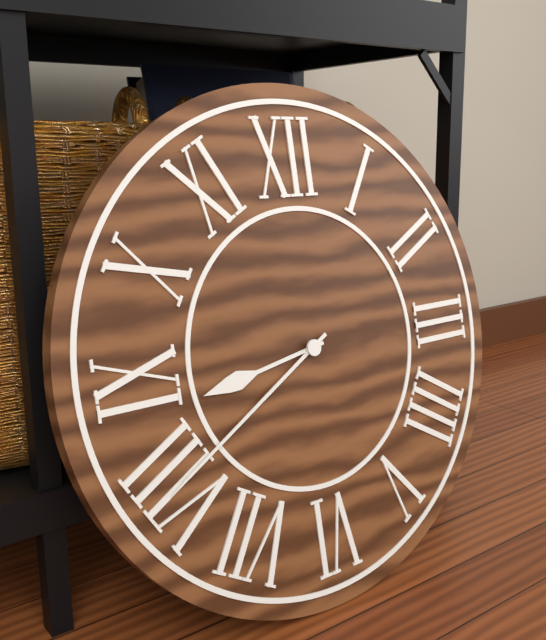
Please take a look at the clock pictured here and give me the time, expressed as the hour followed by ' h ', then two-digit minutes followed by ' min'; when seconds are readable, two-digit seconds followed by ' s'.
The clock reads 8 h 40 min
